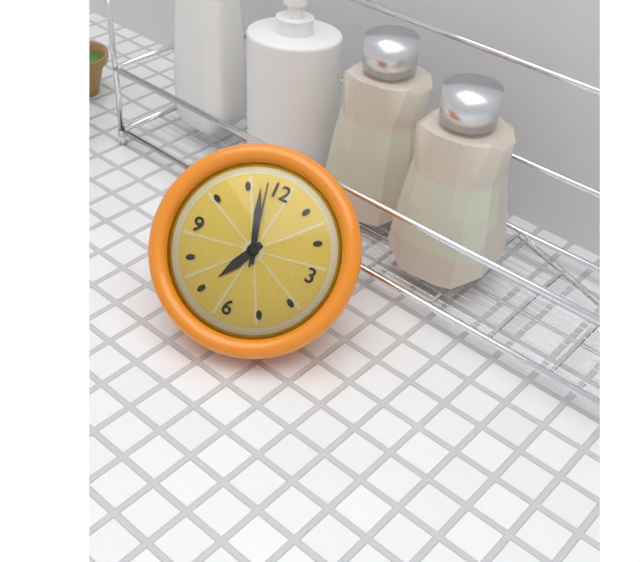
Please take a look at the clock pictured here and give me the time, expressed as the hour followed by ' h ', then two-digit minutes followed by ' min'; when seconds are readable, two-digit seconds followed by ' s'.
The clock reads 6 h 57 min 58 s
